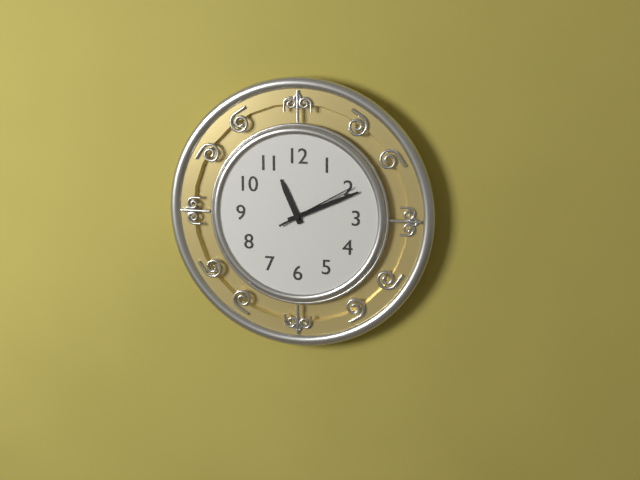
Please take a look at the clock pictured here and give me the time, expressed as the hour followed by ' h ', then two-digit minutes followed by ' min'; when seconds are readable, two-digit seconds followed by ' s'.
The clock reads 11 h 11 min 10 s
